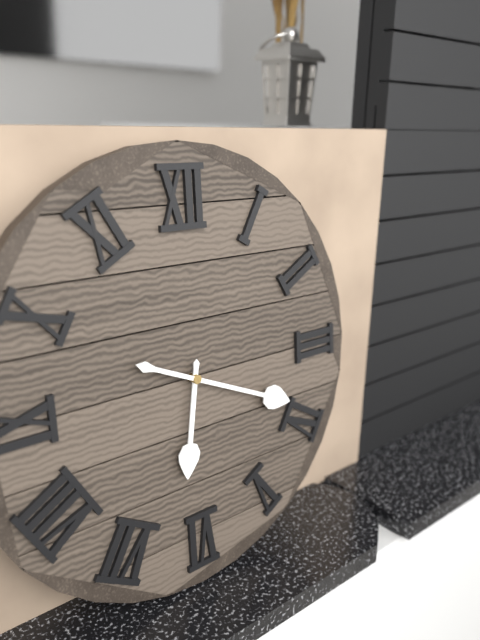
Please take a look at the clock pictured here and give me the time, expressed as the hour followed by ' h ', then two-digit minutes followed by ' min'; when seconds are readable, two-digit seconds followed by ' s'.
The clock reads 6 h 19 min
